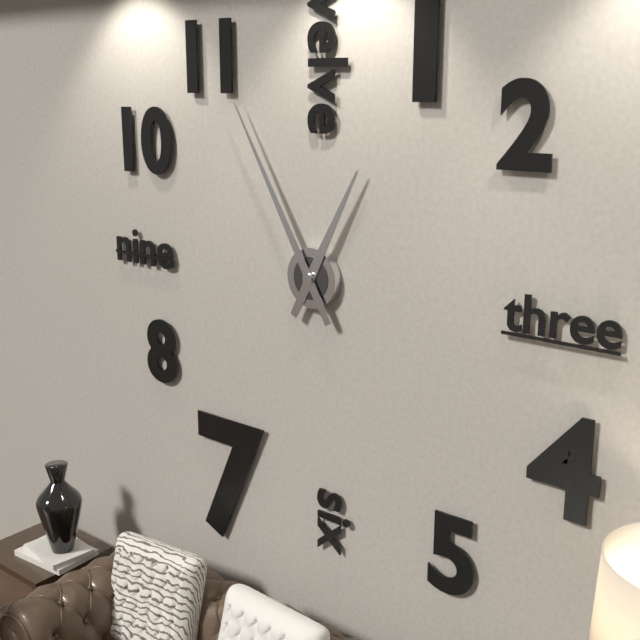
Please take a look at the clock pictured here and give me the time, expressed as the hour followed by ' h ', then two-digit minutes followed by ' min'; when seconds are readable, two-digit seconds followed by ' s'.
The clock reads 12 h 55 min
